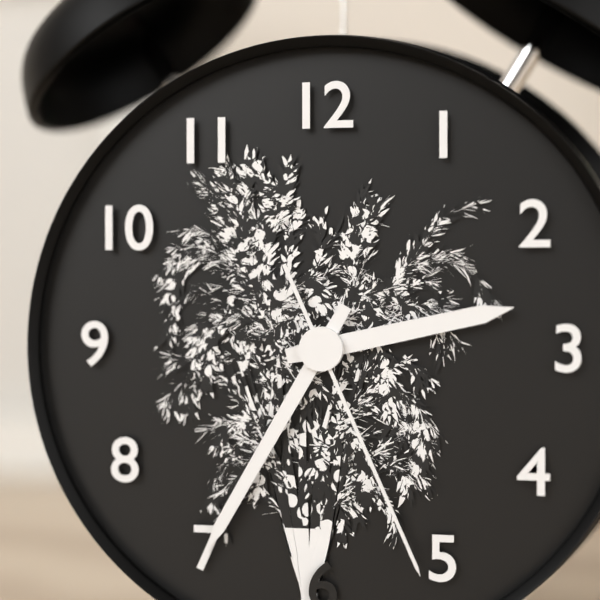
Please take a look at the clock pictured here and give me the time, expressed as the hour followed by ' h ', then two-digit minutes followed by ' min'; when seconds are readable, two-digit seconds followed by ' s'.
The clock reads 2 h 35 min 26 s
